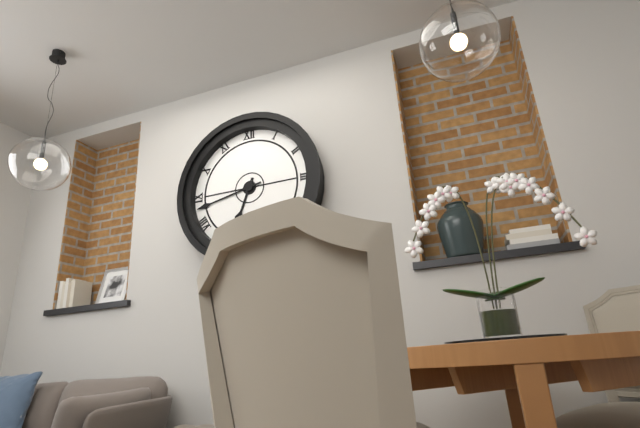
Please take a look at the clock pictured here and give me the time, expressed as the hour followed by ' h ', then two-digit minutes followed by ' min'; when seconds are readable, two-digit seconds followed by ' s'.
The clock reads 6 h 43 min
